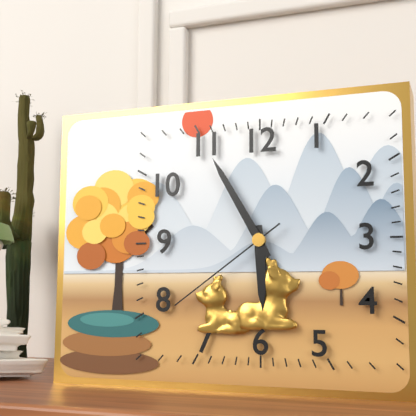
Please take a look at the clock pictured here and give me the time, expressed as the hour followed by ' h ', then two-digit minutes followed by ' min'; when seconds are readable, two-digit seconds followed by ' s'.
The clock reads 5 h 55 min 39 s
